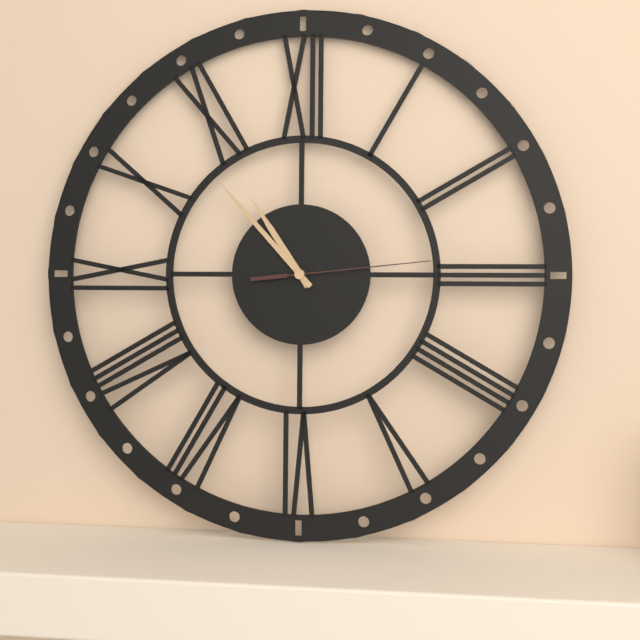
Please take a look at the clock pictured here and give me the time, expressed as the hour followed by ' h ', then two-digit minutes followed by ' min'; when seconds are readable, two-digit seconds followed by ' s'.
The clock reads 10 h 53 min 14 s
